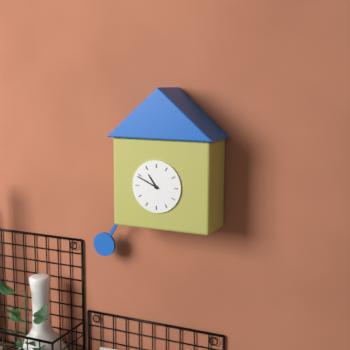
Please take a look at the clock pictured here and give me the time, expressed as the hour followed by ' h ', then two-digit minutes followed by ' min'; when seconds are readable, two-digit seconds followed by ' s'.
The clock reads 10 h 49 min
